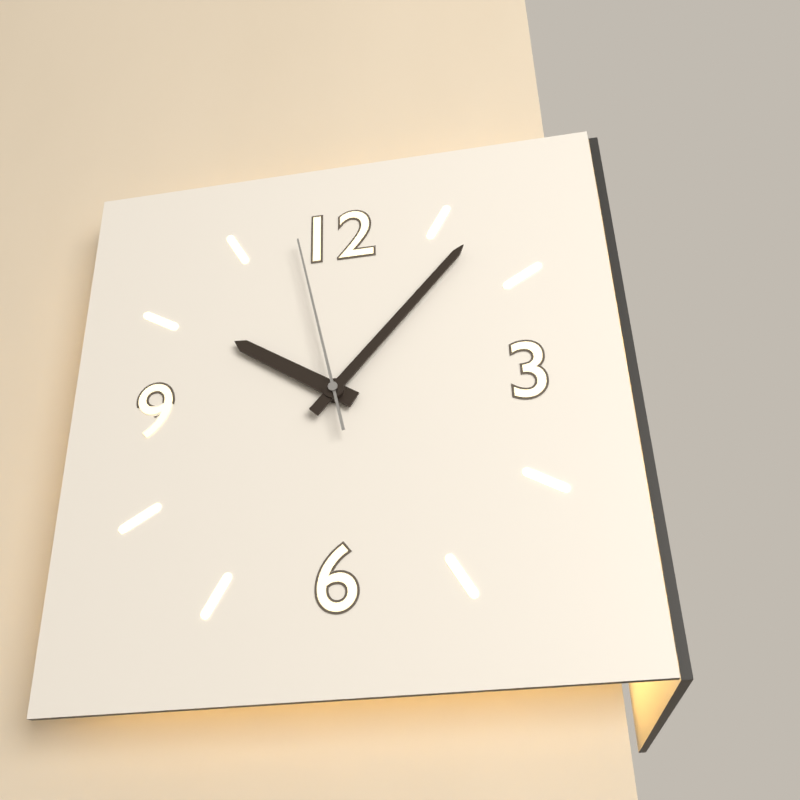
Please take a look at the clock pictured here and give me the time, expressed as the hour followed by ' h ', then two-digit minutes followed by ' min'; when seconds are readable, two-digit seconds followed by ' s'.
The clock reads 10 h 07 min 58 s
